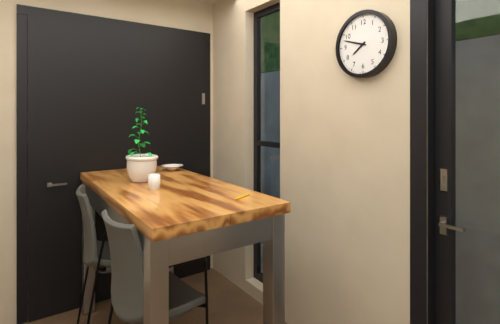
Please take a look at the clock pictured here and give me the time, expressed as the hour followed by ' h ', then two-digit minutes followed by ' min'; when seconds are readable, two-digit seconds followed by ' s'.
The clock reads 7 h 48 min
